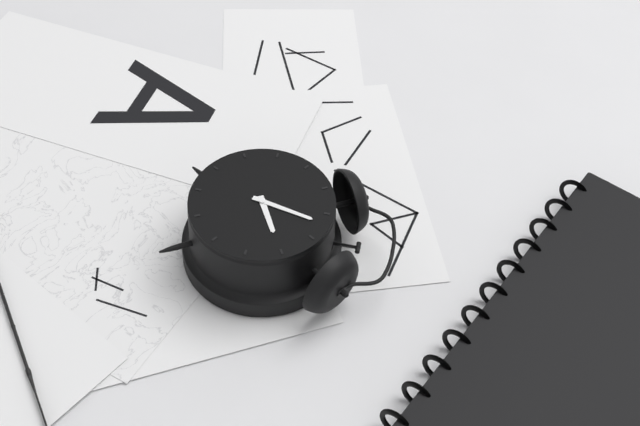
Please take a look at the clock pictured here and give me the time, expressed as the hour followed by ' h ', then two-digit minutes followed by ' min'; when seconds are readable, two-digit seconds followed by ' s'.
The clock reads 2 h 02 min
